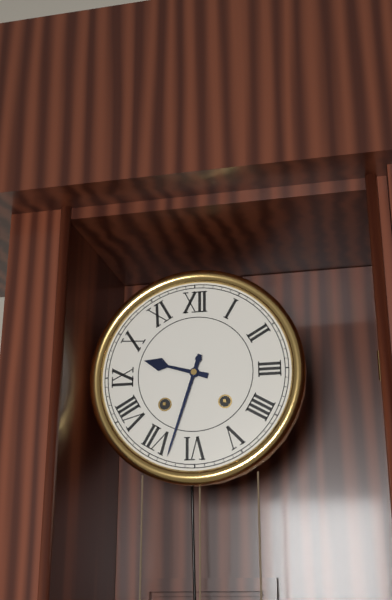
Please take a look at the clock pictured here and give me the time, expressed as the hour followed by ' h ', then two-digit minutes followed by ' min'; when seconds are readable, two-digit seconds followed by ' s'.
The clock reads 9 h 33 min
